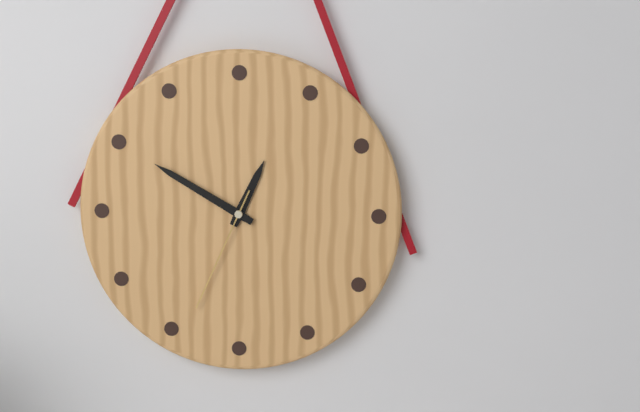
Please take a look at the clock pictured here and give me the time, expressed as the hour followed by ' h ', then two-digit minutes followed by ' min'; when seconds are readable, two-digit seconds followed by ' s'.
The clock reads 12 h 50 min 34 s
